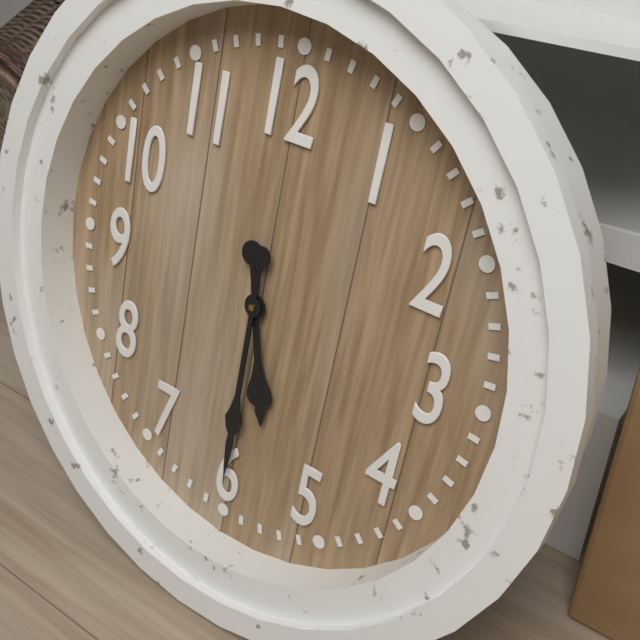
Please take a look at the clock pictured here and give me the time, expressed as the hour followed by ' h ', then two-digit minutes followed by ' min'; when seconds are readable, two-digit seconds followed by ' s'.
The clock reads 5 h 30 min
